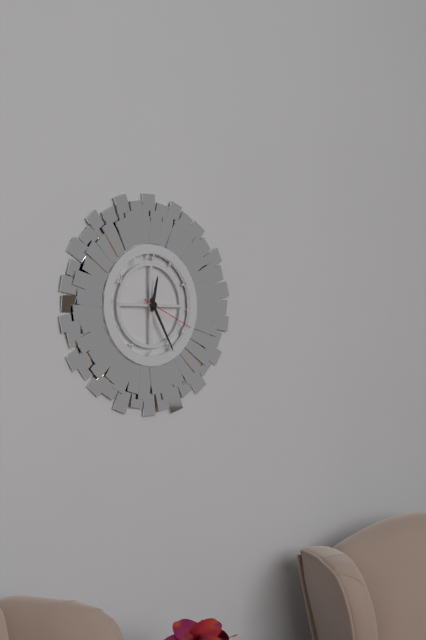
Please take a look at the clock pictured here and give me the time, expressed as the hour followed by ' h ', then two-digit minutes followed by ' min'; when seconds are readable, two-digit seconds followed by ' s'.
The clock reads 12 h 25 min 19 s
